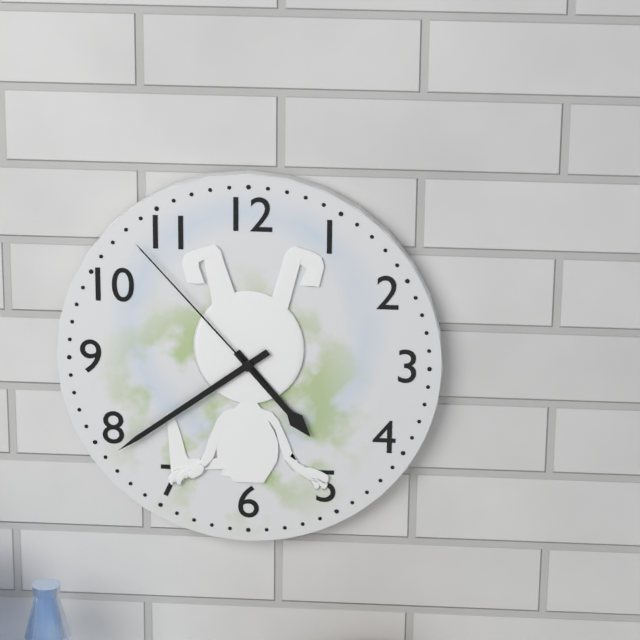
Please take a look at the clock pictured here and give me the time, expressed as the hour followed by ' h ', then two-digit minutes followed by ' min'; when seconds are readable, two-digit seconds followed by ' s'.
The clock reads 4 h 39 min 53 s
